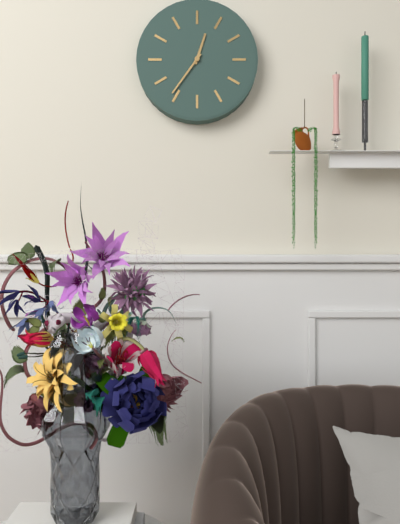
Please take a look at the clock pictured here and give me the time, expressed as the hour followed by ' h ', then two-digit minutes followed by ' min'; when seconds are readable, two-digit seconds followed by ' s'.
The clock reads 12 h 36 min
